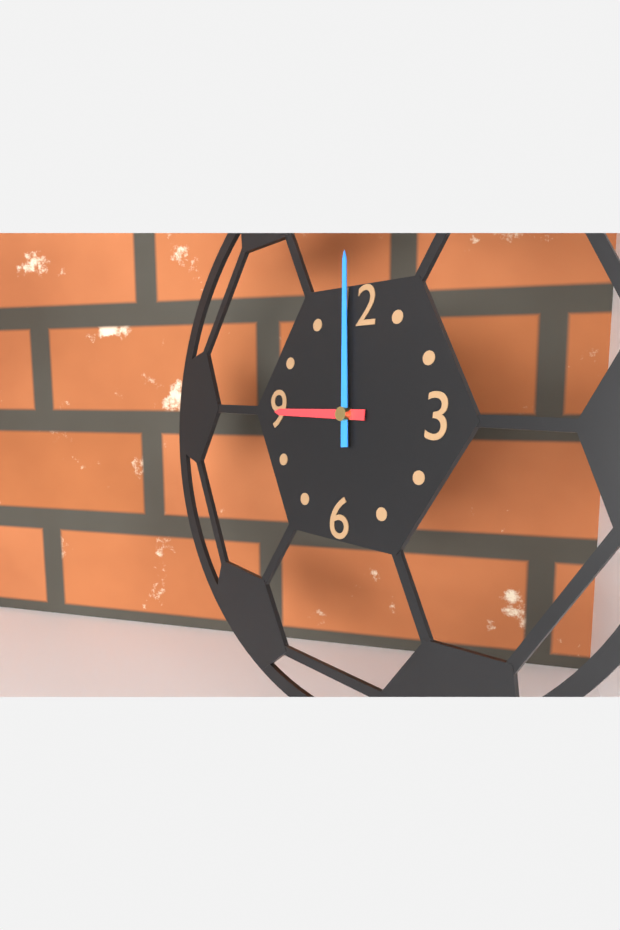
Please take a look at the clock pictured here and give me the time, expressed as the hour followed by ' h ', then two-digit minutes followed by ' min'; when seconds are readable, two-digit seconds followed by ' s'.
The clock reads 8 h 59 min
